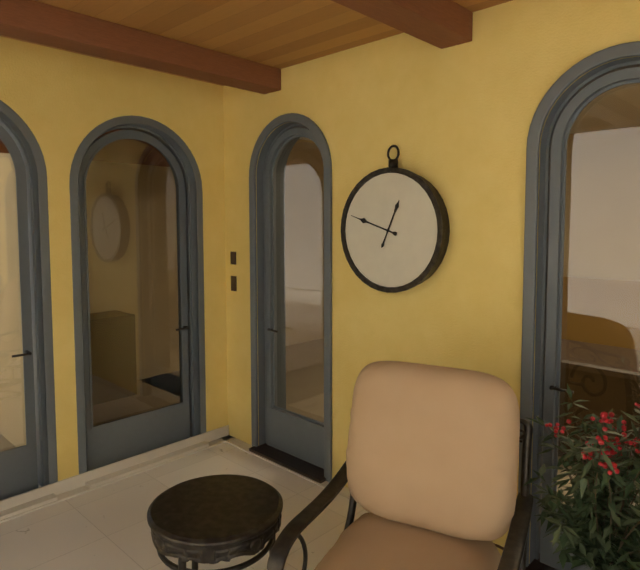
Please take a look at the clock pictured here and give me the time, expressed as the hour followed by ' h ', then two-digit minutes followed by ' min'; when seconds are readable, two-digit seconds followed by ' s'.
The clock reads 12 h 48 min
